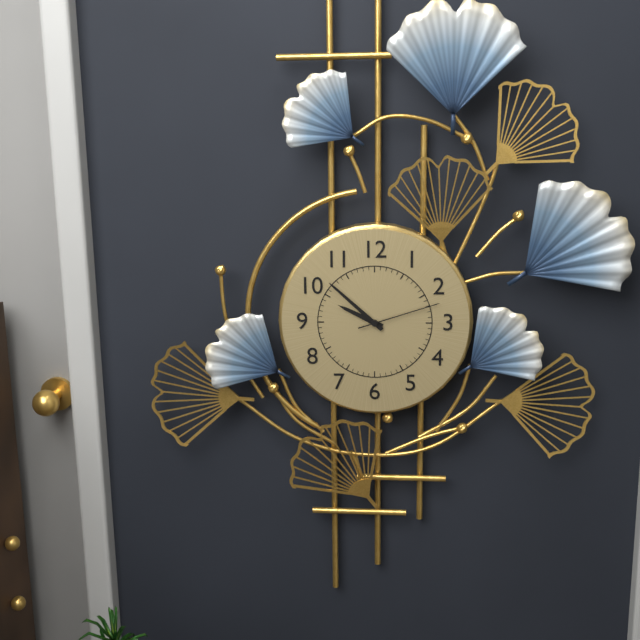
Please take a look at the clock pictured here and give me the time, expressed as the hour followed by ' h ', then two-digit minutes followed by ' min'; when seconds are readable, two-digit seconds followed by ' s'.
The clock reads 9 h 52 min 12 s
